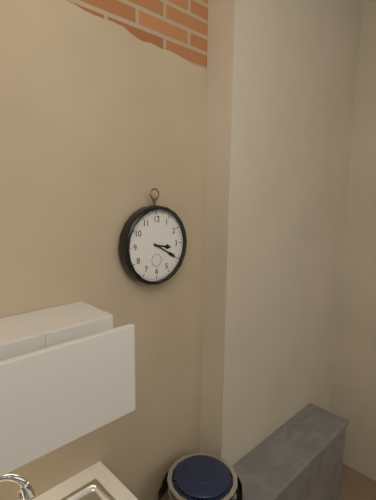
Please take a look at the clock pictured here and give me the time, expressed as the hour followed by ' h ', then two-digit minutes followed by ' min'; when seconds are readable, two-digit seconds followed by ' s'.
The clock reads 3 h 20 min
